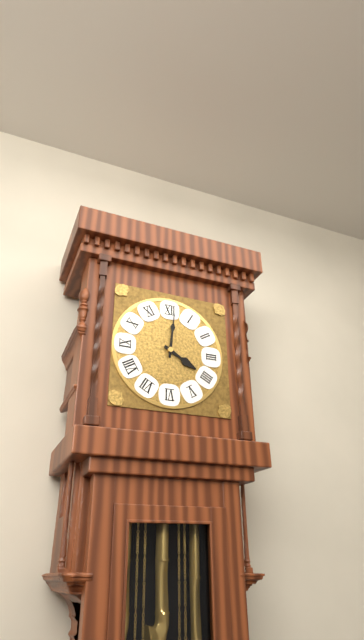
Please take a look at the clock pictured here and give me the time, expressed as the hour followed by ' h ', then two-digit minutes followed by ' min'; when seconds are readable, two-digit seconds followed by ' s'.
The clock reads 4 h 01 min
